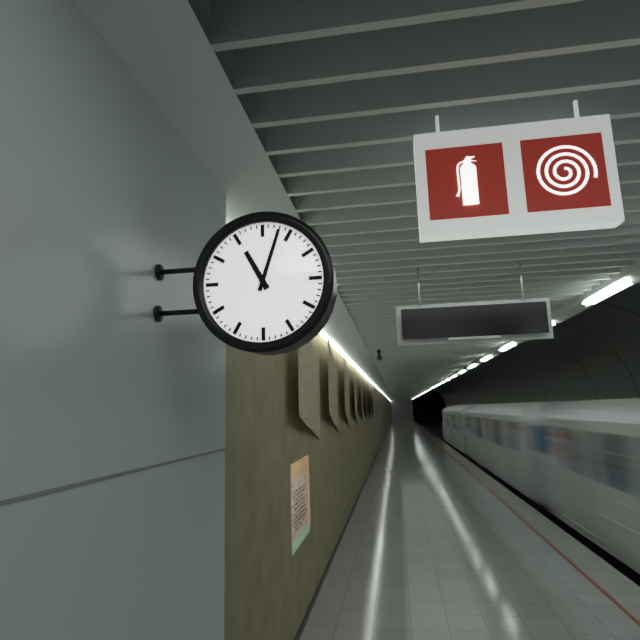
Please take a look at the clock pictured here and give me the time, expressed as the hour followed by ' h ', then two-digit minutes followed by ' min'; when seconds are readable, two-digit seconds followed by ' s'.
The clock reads 11 h 03 min
